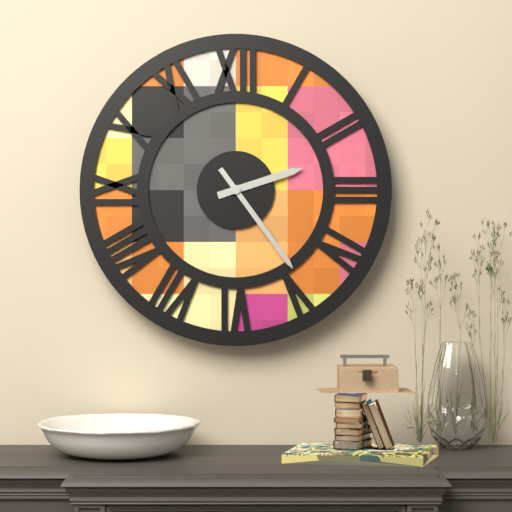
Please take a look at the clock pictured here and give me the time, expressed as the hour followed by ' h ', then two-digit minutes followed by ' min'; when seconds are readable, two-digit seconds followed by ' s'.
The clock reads 2 h 24 min
